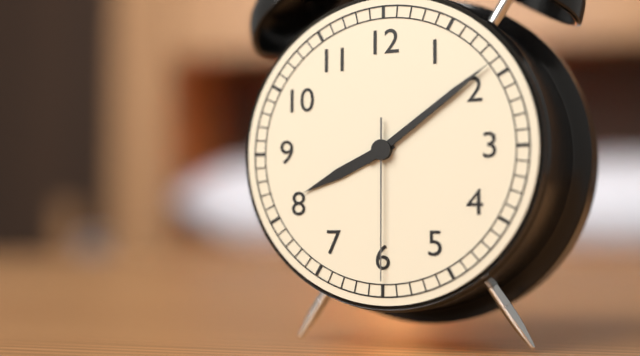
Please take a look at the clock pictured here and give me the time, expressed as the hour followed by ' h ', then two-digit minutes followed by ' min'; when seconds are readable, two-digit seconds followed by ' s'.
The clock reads 8 h 09 min 30 s
